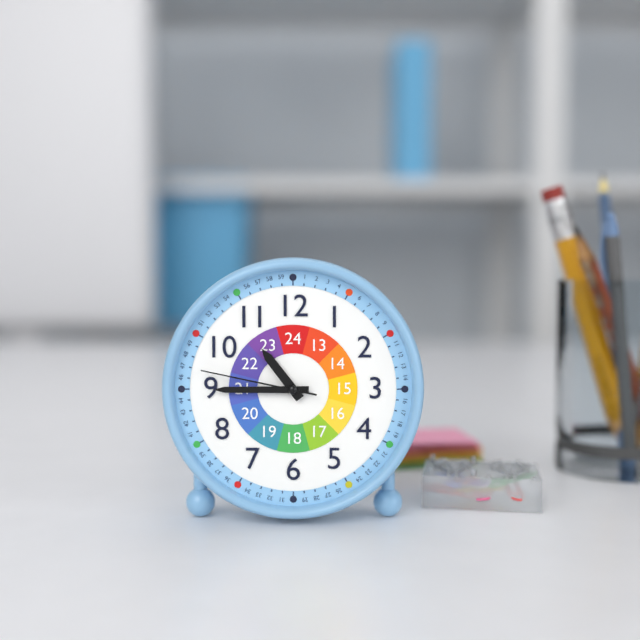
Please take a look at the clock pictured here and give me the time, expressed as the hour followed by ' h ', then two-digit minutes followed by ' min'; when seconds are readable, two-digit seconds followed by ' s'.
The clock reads 10 h 45 min 47 s
